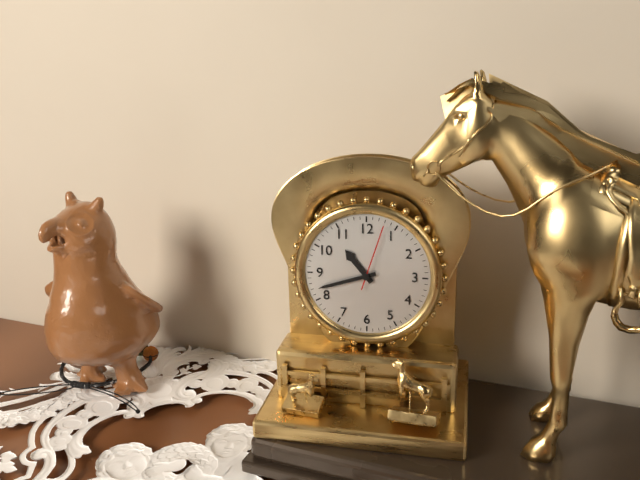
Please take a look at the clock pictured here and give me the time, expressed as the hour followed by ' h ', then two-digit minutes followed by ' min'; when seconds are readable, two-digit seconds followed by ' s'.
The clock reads 10 h 42 min 03 s
